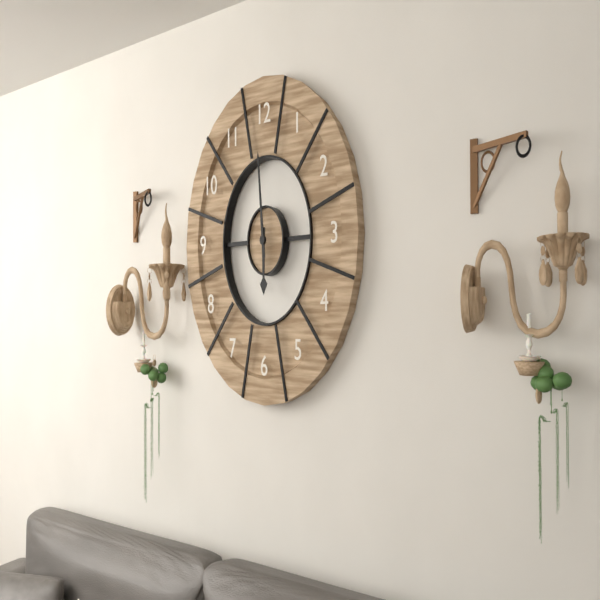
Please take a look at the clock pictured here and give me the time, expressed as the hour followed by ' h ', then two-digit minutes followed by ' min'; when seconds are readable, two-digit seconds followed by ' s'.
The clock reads 5 h 59 min
